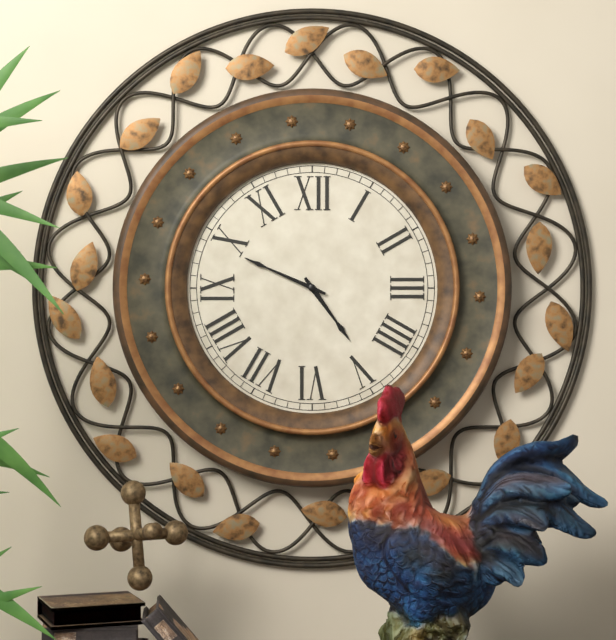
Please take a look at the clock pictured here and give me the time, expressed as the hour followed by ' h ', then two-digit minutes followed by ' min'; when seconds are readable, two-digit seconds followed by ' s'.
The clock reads 4 h 49 min
